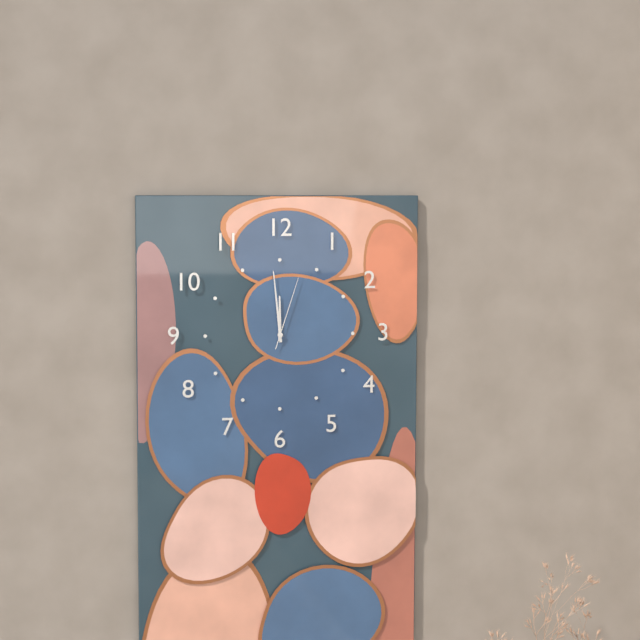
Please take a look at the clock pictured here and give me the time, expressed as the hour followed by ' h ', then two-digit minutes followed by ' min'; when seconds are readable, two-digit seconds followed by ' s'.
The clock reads 11 h 59 min 03 s
